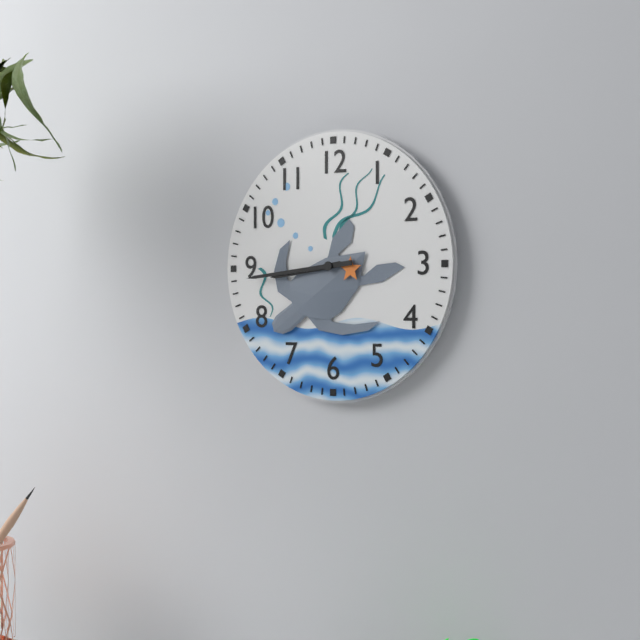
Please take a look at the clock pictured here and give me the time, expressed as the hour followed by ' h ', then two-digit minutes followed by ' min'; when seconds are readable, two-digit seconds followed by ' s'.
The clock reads 8 h 44 min
